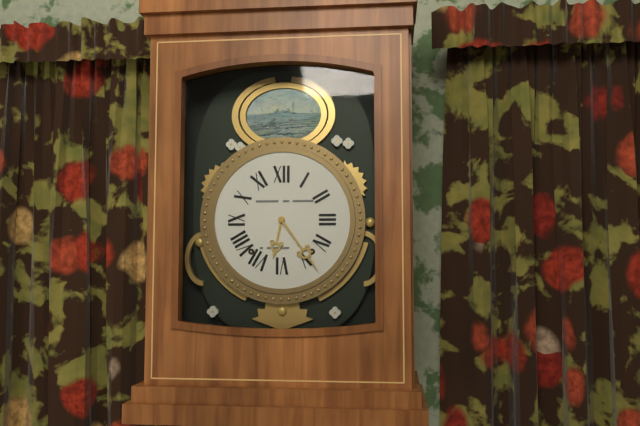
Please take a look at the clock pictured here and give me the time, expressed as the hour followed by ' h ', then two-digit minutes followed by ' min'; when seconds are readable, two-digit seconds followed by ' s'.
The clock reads 6 h 24 min
